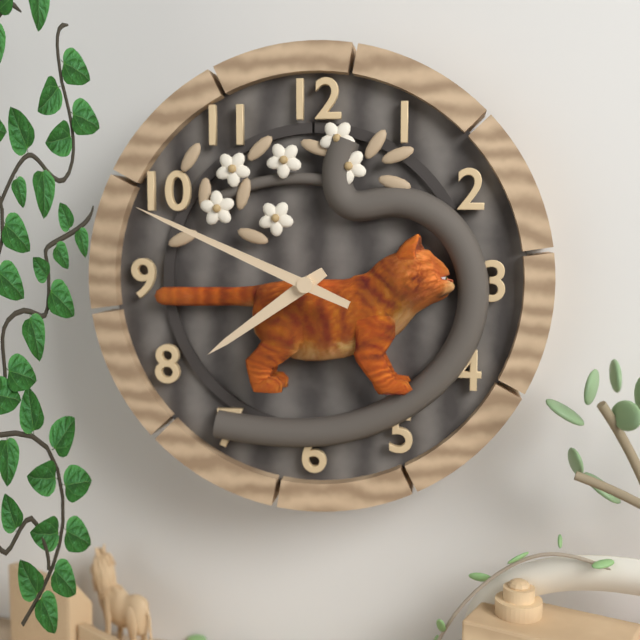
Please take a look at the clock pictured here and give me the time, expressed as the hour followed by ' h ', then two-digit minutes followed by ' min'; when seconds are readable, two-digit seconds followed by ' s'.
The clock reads 7 h 49 min
